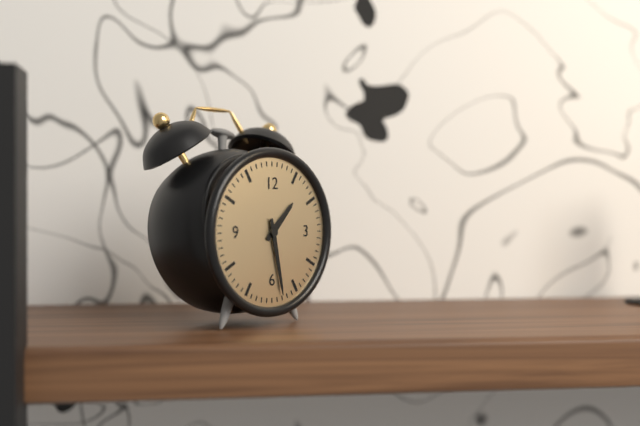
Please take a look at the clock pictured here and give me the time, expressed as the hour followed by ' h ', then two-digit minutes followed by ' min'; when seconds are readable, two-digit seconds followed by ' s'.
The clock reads 1 h 28 min
